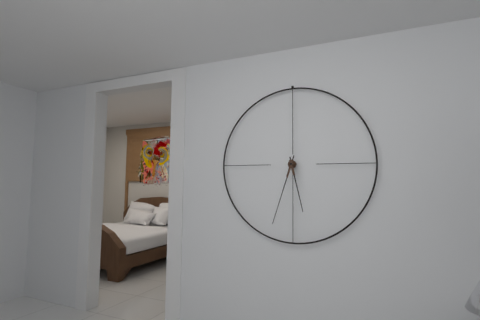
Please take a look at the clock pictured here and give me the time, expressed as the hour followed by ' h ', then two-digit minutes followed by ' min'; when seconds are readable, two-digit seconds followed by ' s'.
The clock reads 5 h 33 min
